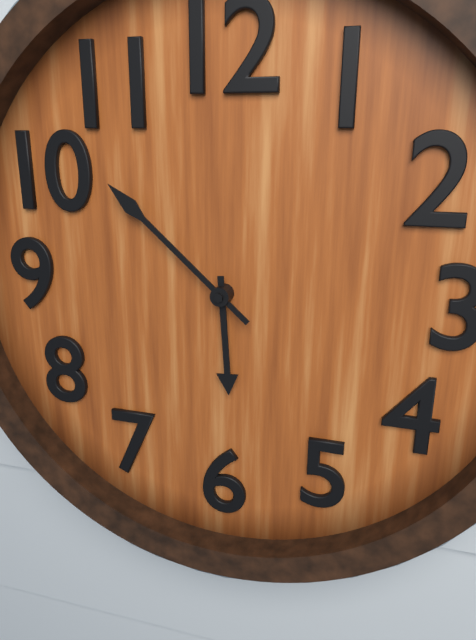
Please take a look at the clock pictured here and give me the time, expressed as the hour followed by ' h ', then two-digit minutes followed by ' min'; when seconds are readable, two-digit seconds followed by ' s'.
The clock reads 5 h 52 min
